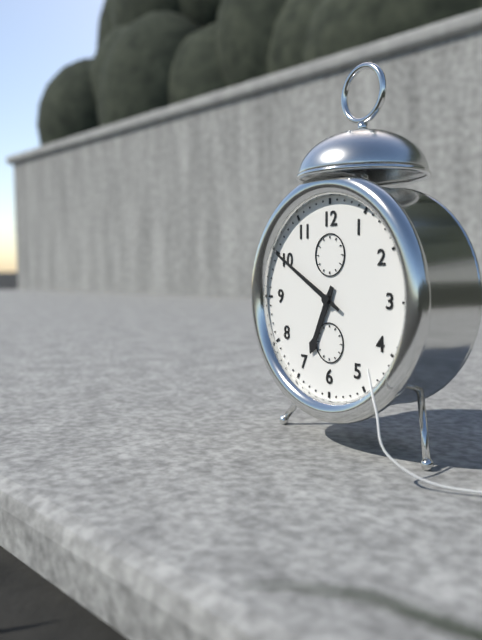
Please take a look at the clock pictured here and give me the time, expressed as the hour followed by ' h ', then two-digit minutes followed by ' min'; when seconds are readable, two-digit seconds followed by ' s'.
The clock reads 6 h 50 min
